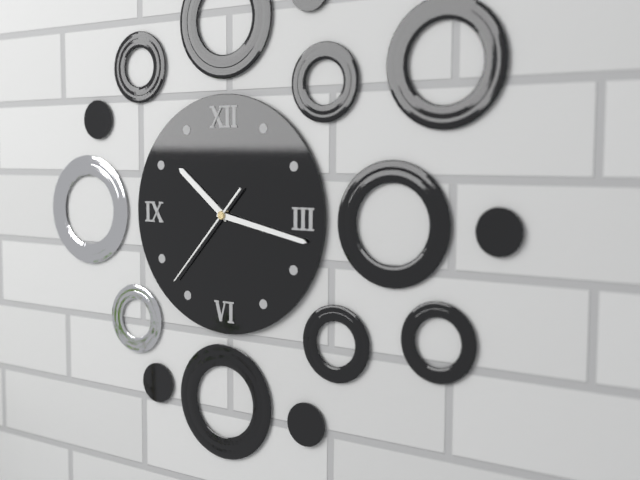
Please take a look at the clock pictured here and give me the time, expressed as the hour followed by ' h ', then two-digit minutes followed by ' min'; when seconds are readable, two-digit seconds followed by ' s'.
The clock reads 10 h 17 min 37 s
